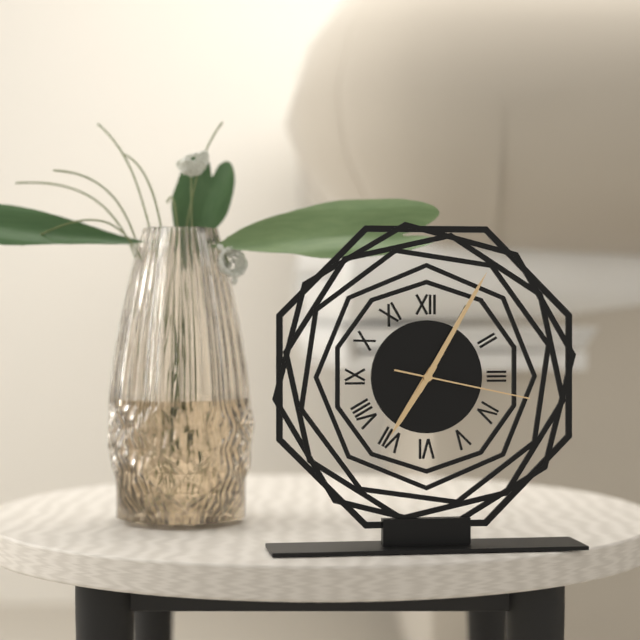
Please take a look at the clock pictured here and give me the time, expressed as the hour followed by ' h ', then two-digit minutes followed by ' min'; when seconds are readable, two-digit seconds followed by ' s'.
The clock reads 7 h 05 min 17 s
